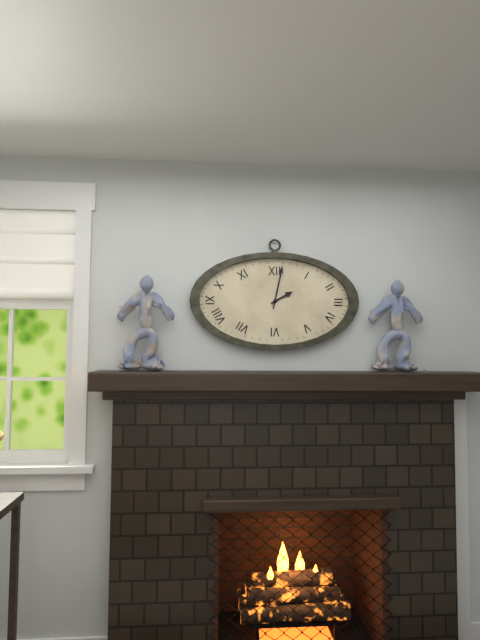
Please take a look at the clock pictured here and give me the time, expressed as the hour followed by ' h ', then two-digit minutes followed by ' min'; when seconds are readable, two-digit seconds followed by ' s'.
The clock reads 2 h 02 min
